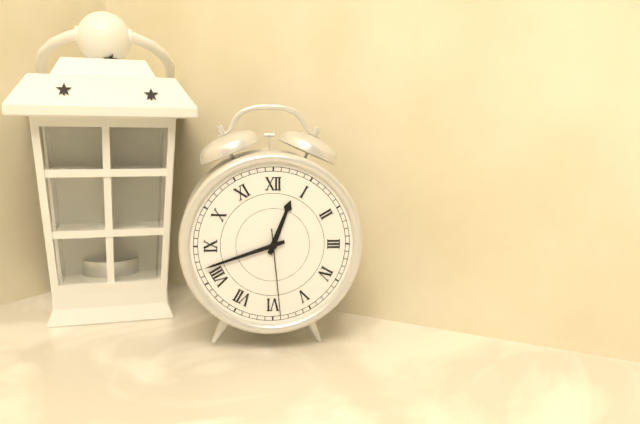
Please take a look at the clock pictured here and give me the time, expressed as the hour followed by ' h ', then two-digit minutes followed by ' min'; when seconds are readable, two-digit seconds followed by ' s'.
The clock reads 12 h 42 min 29 s
